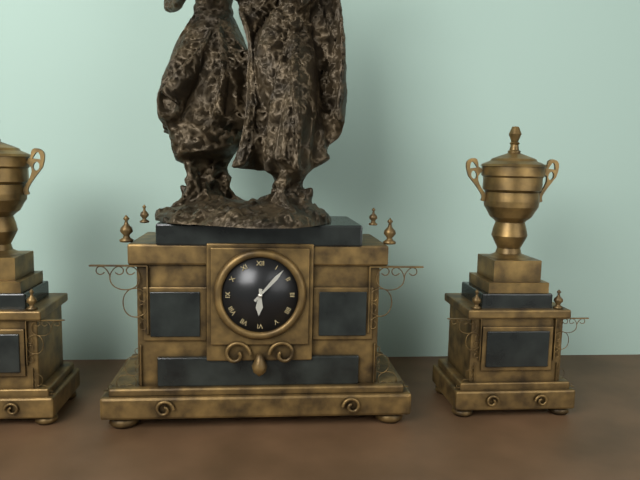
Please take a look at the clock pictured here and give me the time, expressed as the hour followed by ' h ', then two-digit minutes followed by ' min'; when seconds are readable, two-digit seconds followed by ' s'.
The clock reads 6 h 07 min
